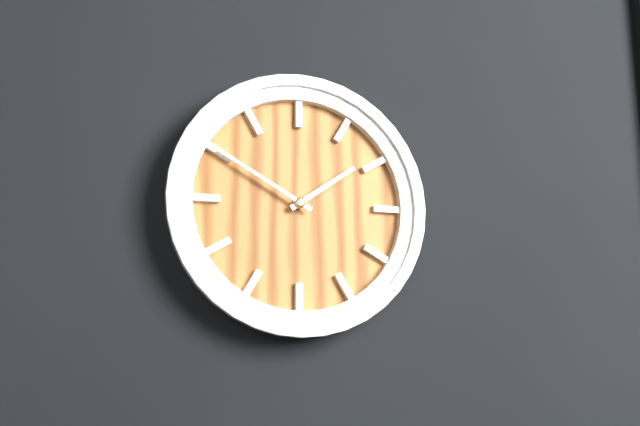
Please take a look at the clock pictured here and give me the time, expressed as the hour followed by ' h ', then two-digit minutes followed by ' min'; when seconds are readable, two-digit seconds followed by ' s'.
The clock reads 1 h 50 min
